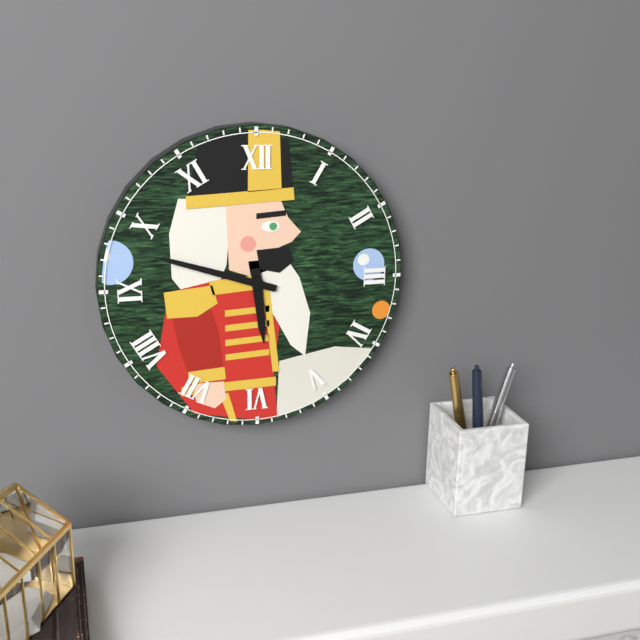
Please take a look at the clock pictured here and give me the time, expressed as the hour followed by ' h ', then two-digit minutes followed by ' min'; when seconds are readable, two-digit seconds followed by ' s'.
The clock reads 5 h 48 min
